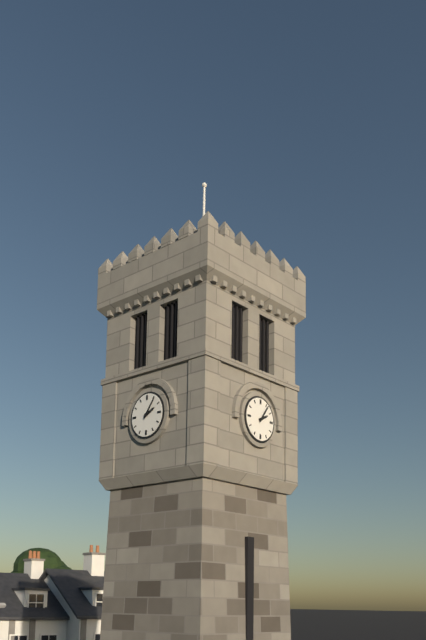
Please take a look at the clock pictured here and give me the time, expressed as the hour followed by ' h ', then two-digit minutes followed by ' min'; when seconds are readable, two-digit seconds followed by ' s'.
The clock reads 2 h 06 min
